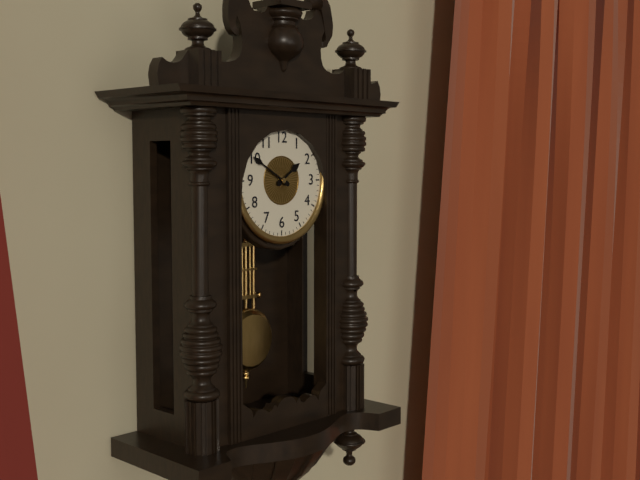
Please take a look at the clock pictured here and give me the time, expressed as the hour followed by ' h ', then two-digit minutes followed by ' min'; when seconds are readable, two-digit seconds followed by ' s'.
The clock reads 1 h 50 min
